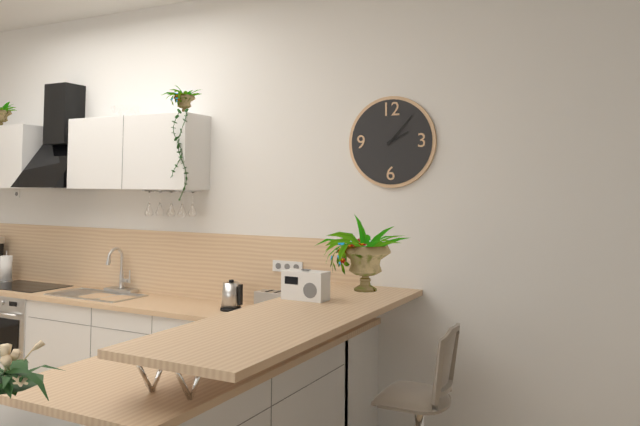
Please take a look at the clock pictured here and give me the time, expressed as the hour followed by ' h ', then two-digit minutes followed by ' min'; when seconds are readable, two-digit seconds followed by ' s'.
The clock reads 2 h 07 min
